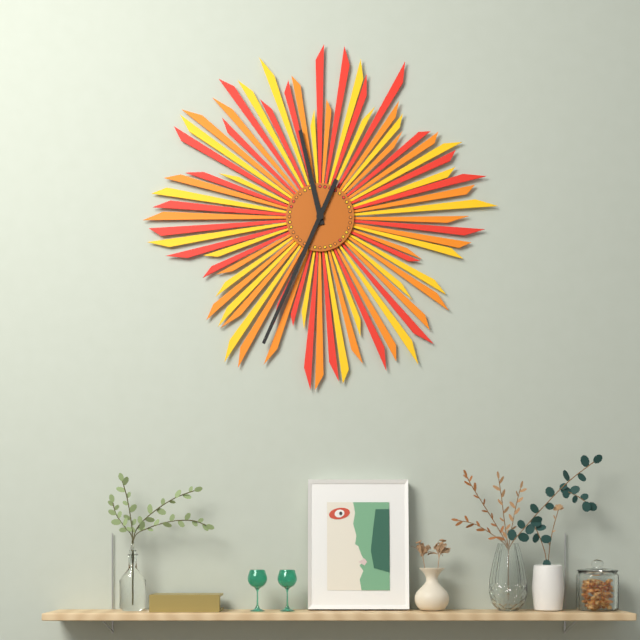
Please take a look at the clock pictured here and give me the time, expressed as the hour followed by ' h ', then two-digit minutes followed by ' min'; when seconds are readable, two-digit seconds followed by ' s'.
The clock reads 11 h 34 min
